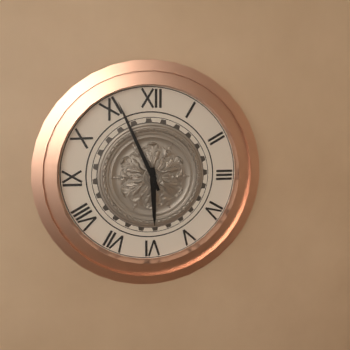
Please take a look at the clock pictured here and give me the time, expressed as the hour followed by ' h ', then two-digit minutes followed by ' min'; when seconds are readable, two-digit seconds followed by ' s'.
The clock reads 5 h 56 min
